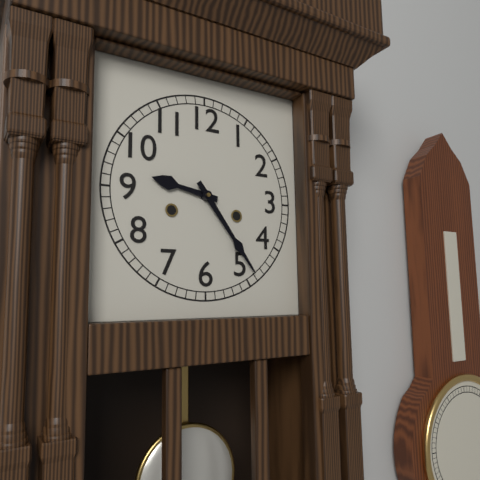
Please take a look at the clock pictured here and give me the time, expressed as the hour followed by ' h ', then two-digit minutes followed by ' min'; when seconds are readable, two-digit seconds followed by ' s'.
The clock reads 9 h 24 min
